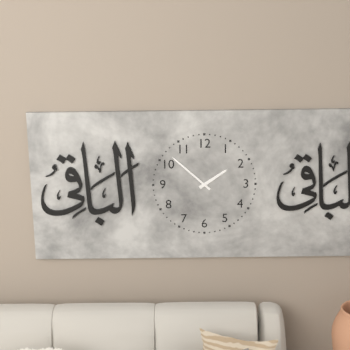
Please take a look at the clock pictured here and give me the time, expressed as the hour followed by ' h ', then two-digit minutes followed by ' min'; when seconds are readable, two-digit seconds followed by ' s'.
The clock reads 1 h 52 min
